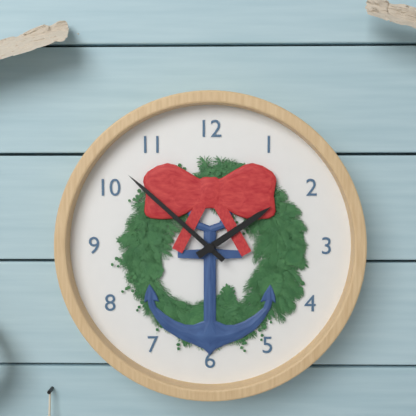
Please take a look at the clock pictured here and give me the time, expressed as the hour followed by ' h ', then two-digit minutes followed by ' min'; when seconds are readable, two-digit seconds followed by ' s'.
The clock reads 1 h 52 min
